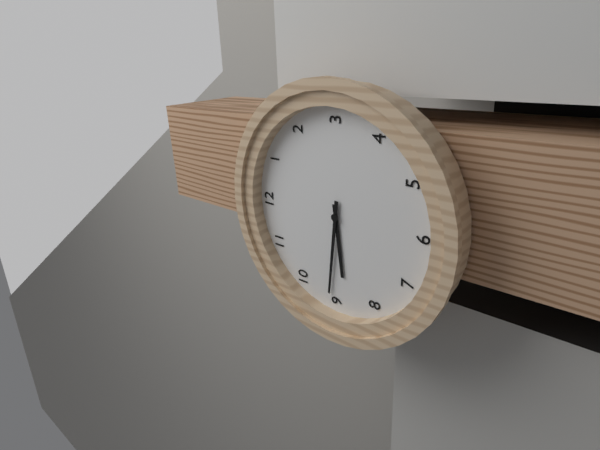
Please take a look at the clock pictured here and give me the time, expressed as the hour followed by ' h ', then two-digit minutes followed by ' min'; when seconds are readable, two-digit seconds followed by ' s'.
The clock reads 8 h 46 min
